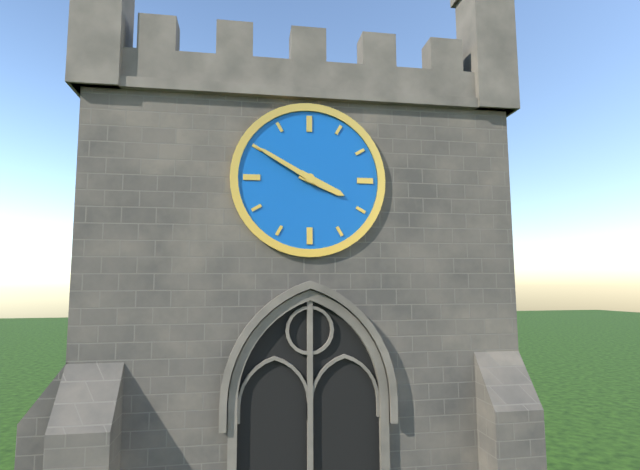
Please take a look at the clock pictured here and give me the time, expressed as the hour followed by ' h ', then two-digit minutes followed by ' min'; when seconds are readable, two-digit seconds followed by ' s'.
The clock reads 3 h 50 min
